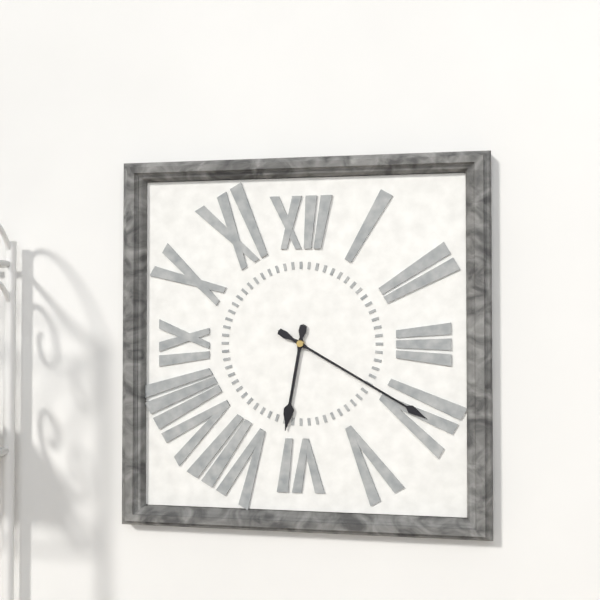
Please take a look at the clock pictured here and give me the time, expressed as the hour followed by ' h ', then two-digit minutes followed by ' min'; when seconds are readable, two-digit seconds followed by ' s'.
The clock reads 6 h 20 min
